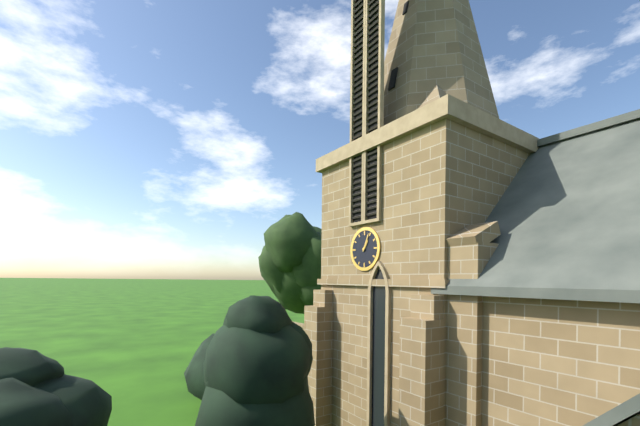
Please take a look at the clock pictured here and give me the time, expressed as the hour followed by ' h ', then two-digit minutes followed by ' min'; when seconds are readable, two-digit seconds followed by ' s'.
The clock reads 1 h 04 min
